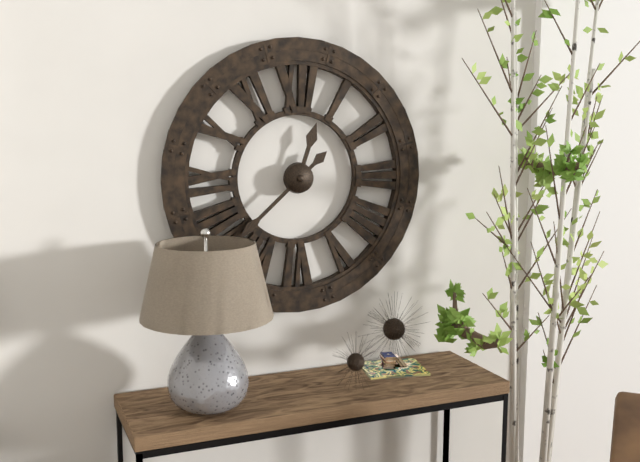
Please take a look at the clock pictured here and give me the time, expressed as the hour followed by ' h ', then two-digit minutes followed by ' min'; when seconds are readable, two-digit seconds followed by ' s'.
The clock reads 12 h 38 min
